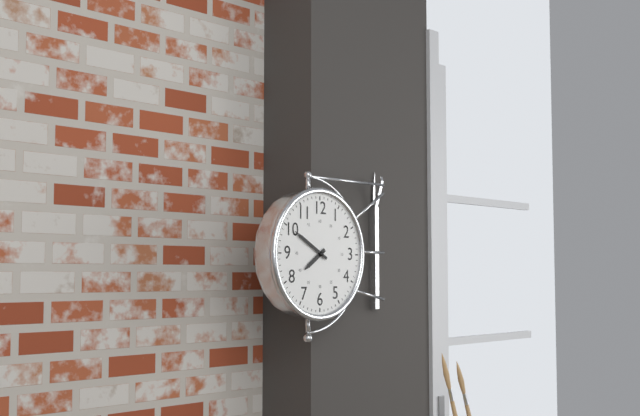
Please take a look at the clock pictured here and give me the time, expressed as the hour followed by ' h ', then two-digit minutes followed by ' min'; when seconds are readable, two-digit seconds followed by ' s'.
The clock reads 7 h 50 min
